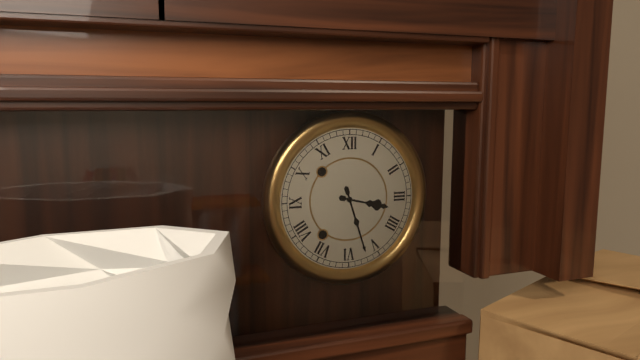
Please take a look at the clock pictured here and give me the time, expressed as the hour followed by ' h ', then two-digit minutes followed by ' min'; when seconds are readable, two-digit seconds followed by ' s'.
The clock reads 3 h 27 min
